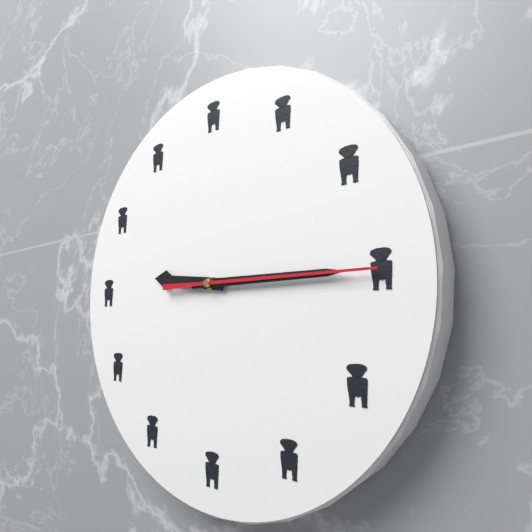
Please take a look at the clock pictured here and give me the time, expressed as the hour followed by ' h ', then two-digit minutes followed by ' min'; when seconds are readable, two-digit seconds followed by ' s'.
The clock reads 9 h 15 min 15 s
